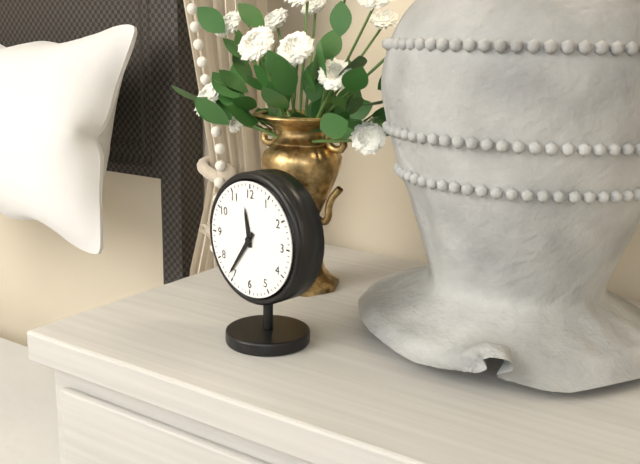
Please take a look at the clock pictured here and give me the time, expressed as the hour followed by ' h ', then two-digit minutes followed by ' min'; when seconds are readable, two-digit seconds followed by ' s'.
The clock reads 11 h 36 min
